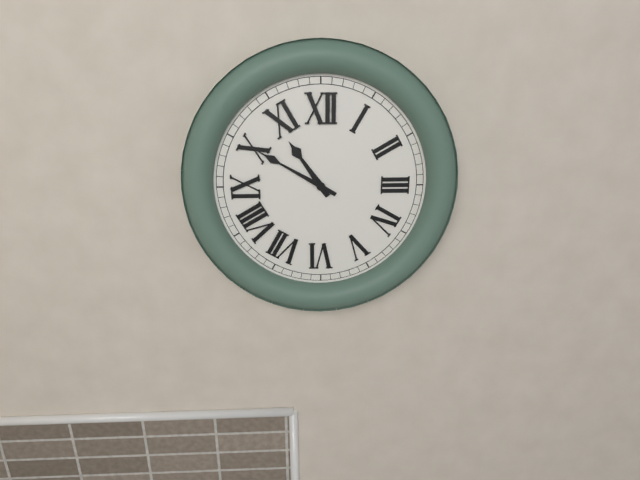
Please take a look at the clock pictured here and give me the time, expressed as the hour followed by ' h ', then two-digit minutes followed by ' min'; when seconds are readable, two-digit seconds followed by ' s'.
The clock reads 10 h 50 min
